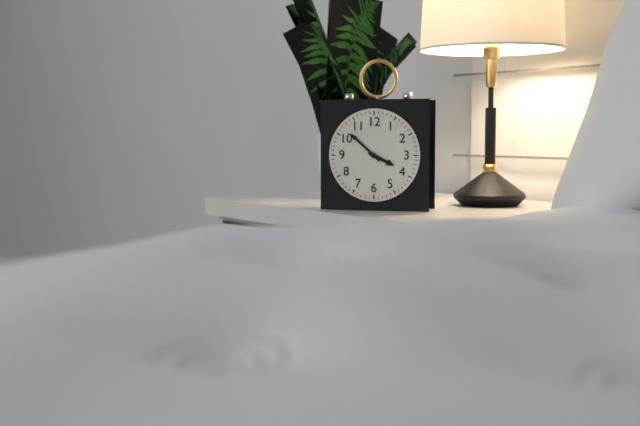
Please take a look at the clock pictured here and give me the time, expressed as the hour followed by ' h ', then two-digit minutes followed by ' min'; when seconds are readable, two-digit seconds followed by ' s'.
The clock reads 3 h 52 min
